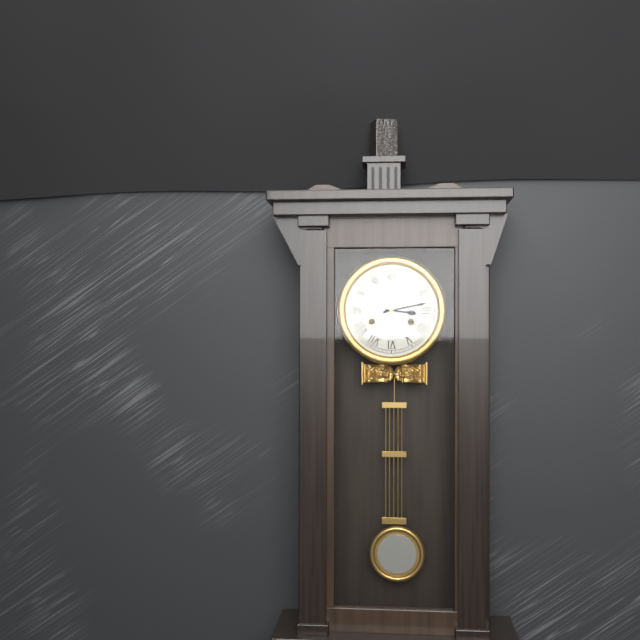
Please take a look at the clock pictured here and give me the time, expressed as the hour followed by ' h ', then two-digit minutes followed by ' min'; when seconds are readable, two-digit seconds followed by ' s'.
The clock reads 3 h 13 min
